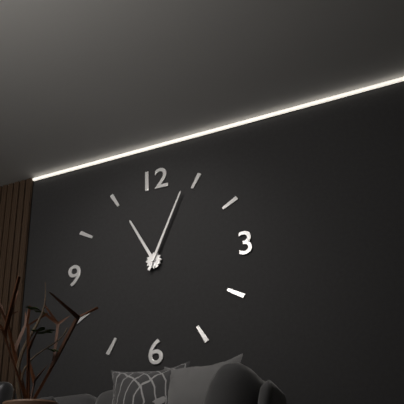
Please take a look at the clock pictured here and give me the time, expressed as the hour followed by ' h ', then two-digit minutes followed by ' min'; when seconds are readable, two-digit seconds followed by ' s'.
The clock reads 11 h 04 min
